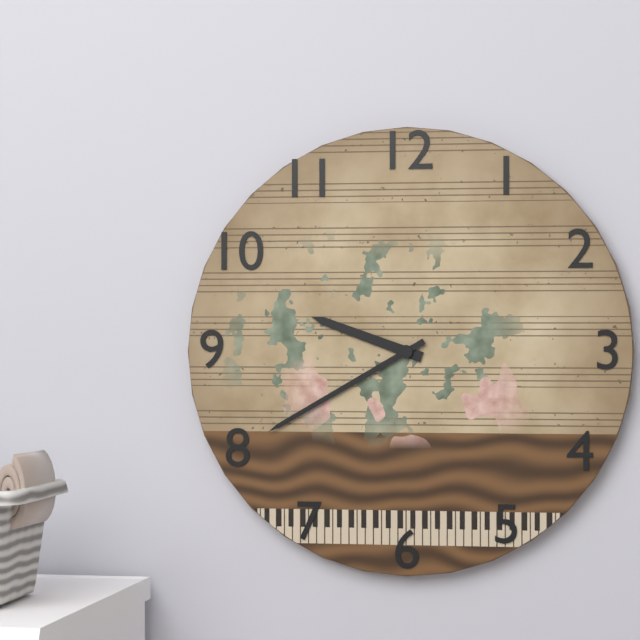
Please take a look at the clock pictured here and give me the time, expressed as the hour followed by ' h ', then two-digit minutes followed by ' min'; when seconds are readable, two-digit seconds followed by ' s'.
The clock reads 9 h 40 min
